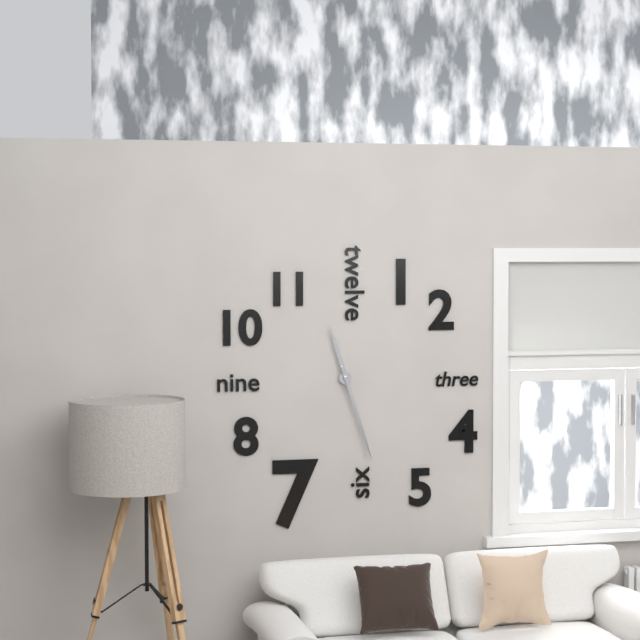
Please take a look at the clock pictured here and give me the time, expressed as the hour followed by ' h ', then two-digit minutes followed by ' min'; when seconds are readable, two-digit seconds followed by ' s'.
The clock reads 11 h 27 min
